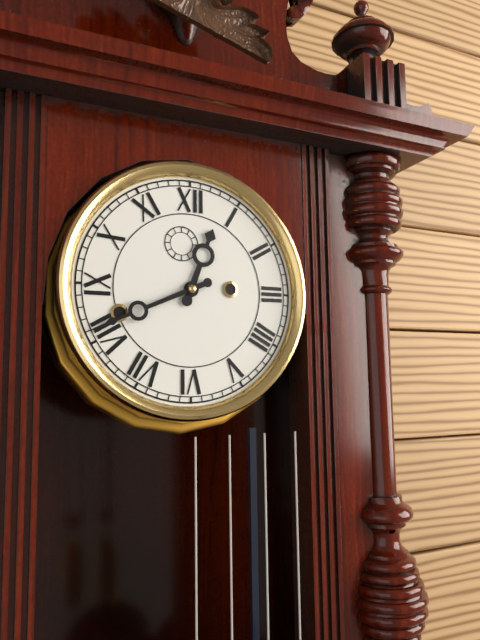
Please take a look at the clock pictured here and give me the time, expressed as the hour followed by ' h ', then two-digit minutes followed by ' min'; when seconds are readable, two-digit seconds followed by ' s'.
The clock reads 12 h 41 min
